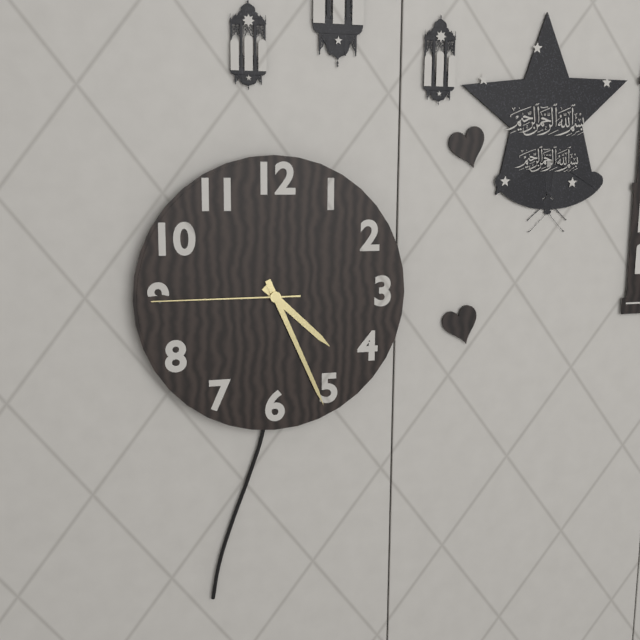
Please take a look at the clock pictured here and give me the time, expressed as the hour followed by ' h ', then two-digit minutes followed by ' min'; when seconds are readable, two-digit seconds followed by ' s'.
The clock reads 4 h 26 min 45 s
